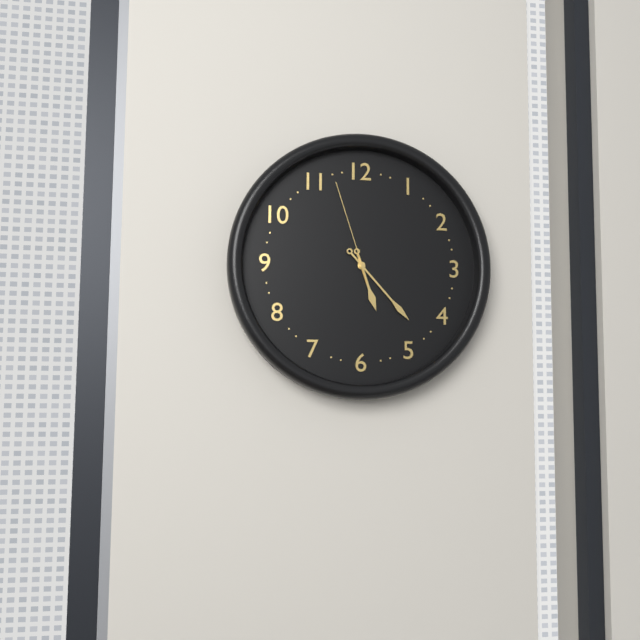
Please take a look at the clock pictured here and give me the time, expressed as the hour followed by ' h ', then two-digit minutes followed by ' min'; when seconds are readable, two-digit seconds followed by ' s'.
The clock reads 5 h 23 min 57 s
